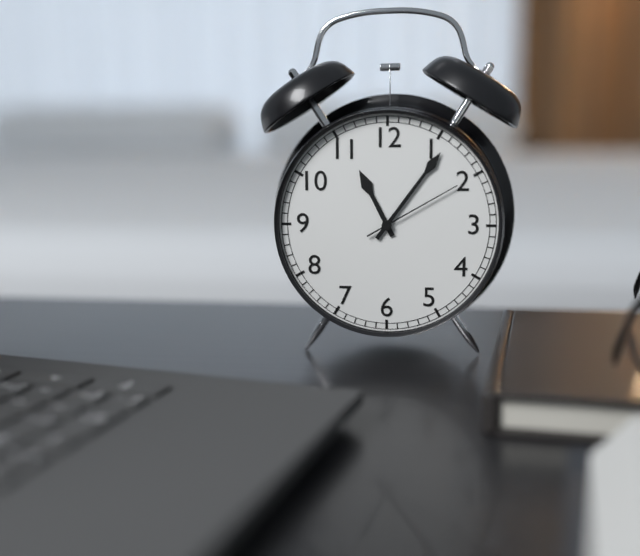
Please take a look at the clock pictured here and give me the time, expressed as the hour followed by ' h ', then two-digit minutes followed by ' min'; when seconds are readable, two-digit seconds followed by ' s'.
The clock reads 11 h 06 min 10 s
